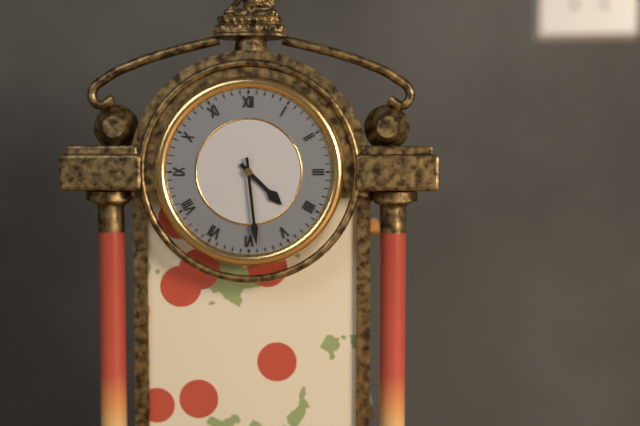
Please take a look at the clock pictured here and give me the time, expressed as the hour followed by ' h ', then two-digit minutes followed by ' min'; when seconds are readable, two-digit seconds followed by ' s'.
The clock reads 4 h 29 min
